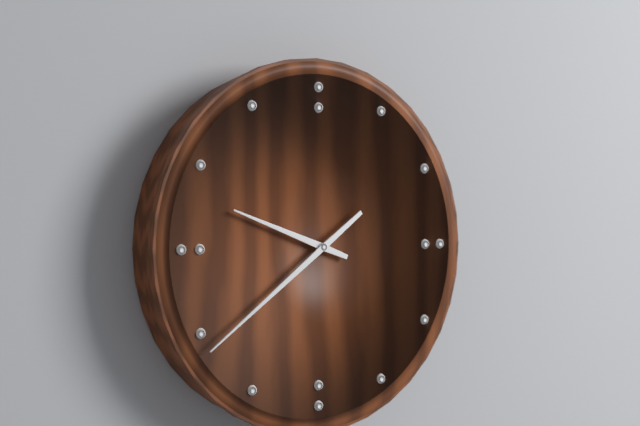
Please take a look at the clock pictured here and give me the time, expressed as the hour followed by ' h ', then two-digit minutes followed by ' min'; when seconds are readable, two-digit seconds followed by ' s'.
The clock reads 9 h 39 min
